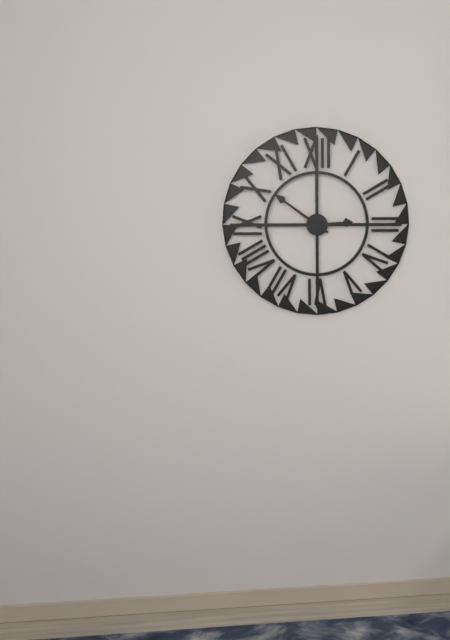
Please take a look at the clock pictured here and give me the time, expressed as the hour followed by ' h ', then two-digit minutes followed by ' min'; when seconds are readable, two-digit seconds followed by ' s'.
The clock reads 2 h 51 min
